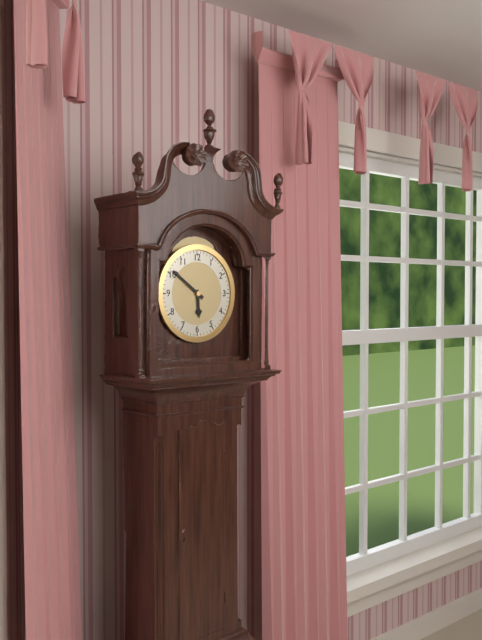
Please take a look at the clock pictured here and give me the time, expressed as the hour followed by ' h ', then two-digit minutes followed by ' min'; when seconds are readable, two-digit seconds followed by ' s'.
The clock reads 5 h 51 min
